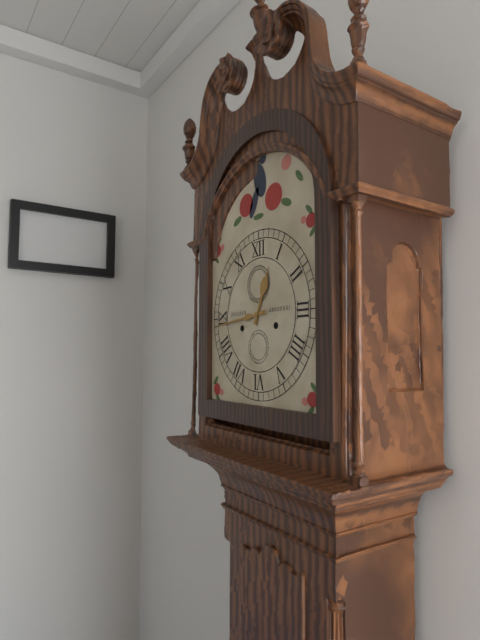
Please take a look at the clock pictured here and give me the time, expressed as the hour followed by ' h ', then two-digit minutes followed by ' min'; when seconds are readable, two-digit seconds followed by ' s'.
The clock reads 12 h 44 min
